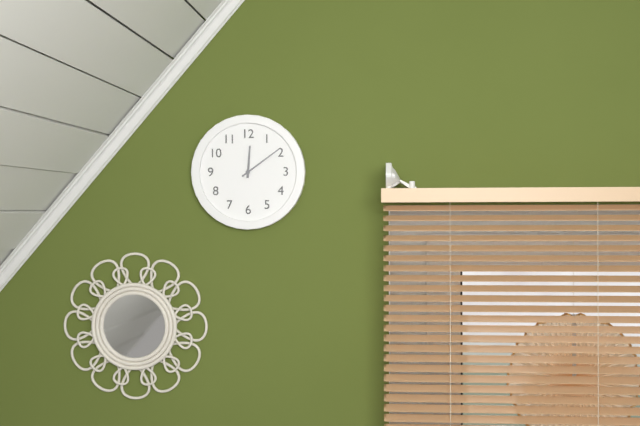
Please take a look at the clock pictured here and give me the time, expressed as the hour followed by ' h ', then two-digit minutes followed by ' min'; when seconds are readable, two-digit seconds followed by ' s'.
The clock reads 12 h 09 min
